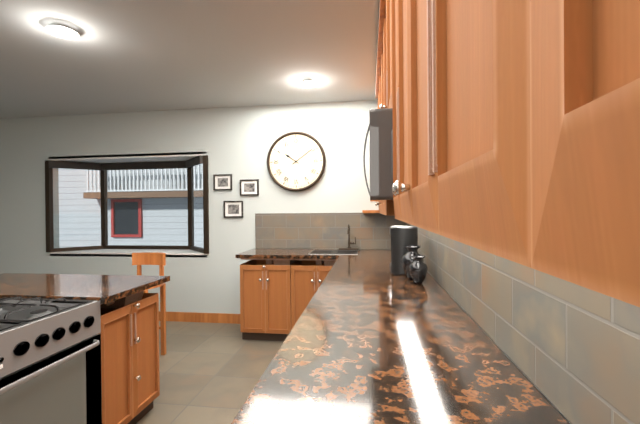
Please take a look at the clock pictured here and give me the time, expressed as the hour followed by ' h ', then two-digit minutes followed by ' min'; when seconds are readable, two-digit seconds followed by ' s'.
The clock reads 10 h 09 min
